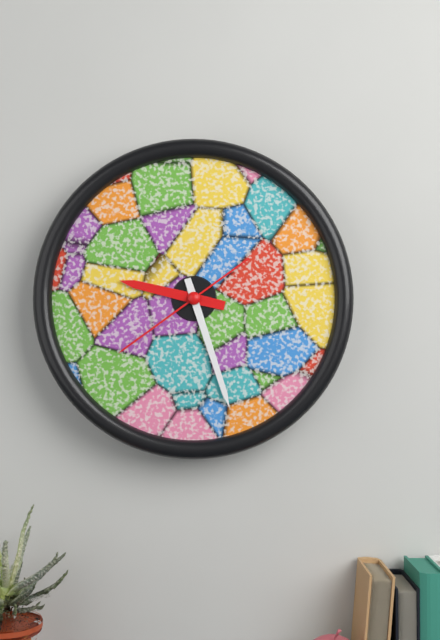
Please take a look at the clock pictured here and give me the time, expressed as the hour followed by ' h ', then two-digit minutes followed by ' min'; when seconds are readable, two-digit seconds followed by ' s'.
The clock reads 9 h 27 min 39 s
